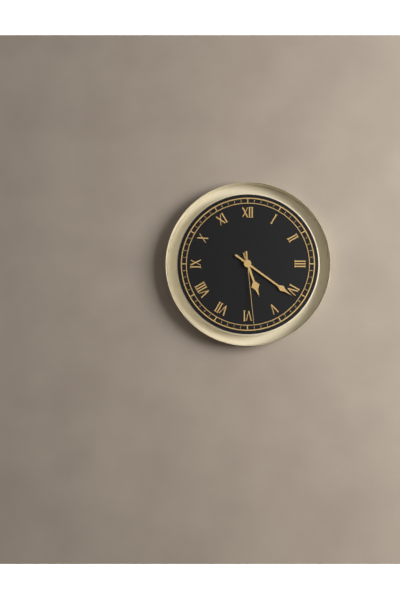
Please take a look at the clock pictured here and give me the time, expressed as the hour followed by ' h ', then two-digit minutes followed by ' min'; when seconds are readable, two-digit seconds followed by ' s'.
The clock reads 5 h 21 min 29 s
